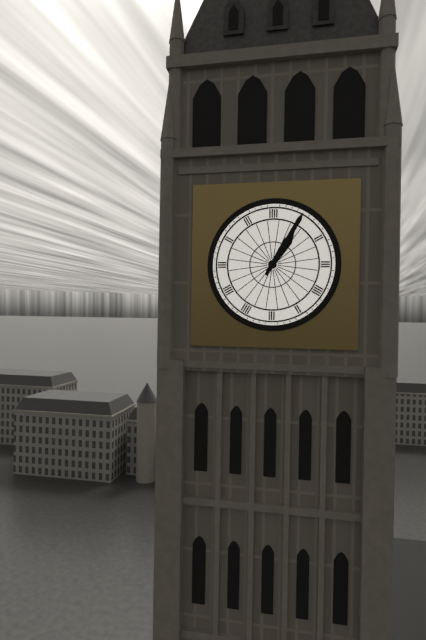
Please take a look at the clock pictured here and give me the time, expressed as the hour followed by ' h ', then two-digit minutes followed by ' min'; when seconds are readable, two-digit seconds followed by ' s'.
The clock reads 1 h 05 min
